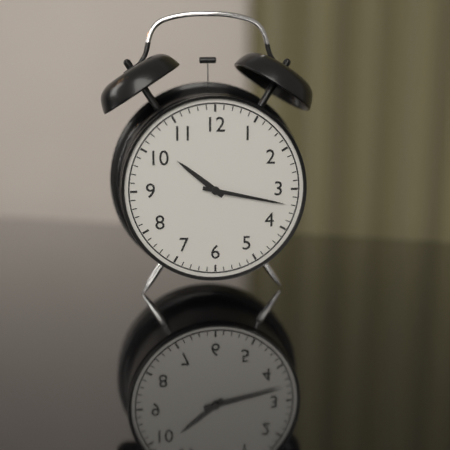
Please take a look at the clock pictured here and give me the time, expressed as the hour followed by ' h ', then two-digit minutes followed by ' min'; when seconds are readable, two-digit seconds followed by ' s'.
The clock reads 10 h 17 min
